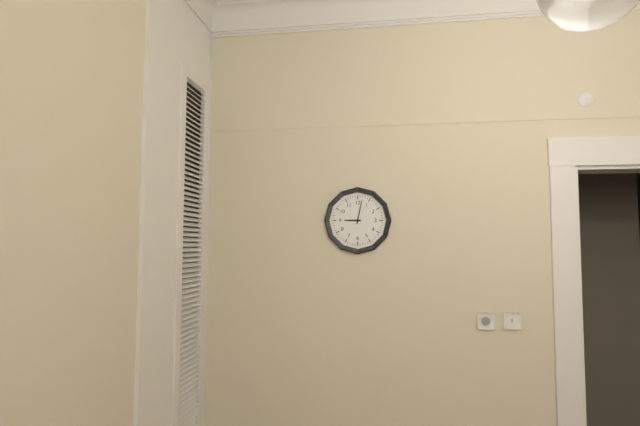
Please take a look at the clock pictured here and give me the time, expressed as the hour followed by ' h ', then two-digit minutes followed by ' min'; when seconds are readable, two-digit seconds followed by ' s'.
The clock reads 9 h 02 min
